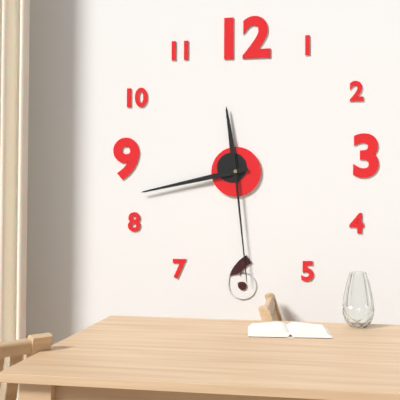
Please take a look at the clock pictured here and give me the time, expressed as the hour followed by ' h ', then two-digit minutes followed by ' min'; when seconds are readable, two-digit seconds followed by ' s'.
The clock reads 11 h 43 min 29 s
